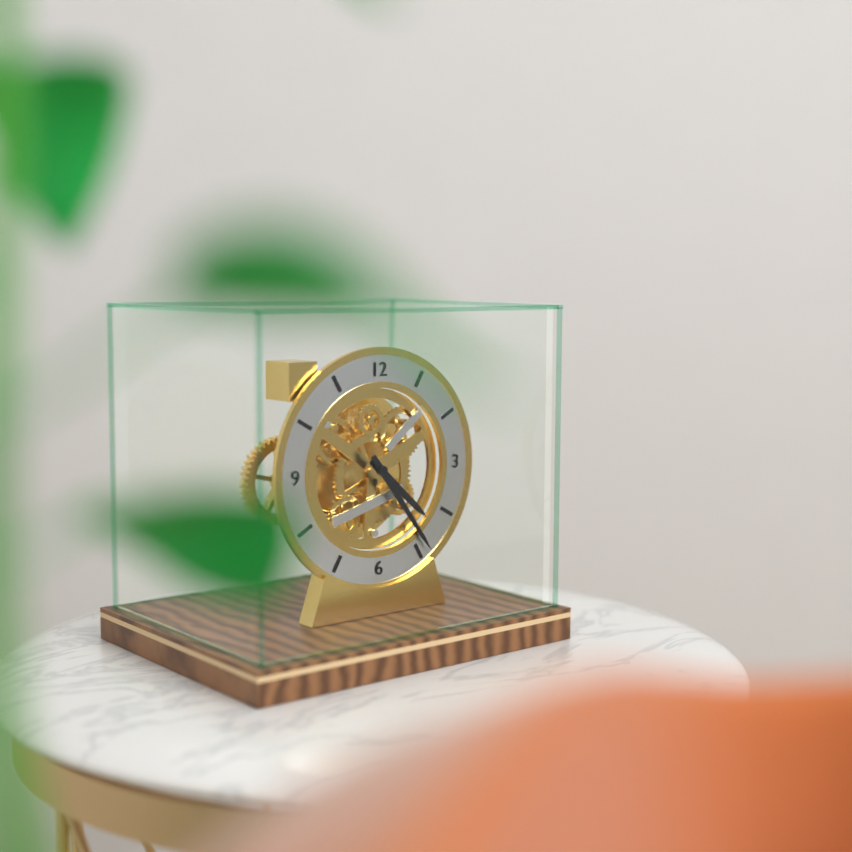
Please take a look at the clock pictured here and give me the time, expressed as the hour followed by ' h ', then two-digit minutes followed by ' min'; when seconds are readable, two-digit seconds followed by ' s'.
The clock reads 4 h 24 min
